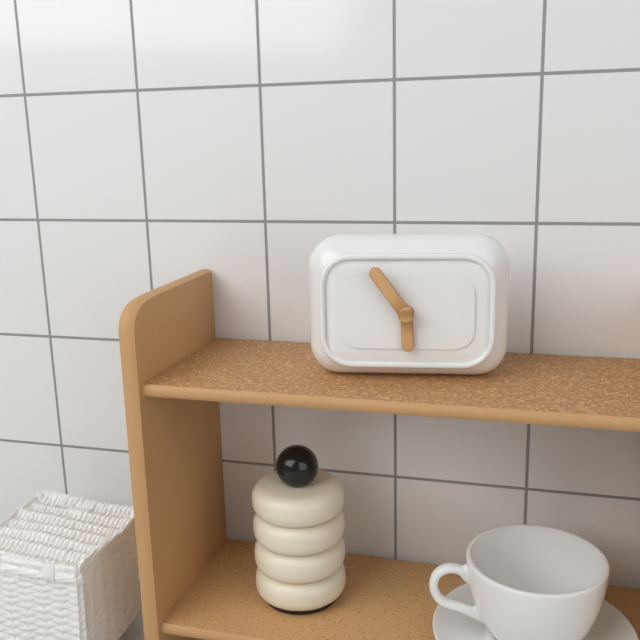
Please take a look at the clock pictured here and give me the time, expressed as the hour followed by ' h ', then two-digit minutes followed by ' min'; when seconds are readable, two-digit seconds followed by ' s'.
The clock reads 5 h 54 min
